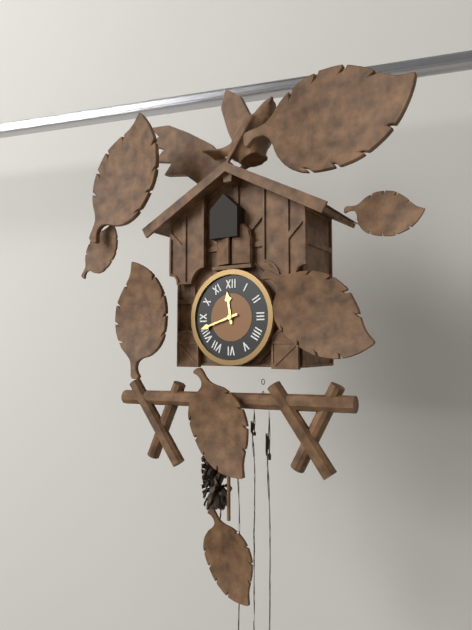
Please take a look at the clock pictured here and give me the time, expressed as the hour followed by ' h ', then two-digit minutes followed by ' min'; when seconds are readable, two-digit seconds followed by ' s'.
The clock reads 11 h 42 min
